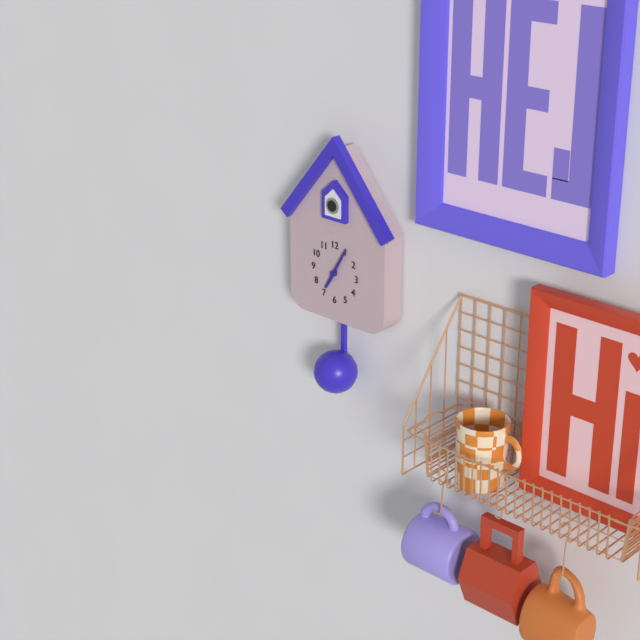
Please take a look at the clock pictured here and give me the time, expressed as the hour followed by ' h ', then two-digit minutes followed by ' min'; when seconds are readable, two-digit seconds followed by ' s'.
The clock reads 7 h 05 min
